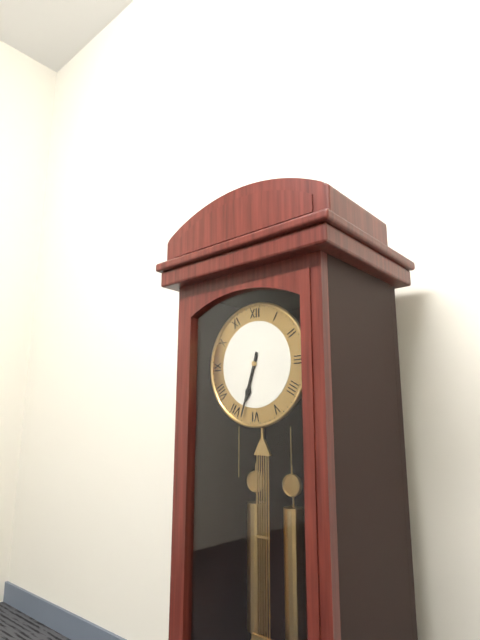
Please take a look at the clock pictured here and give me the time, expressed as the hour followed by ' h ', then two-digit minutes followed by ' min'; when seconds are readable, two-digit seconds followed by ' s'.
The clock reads 6 h 33 min
